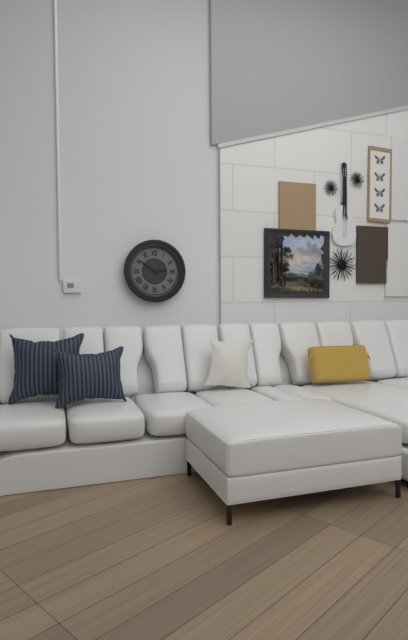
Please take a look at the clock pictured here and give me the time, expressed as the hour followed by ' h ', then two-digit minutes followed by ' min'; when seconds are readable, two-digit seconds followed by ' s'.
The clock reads 2 h 51 min
